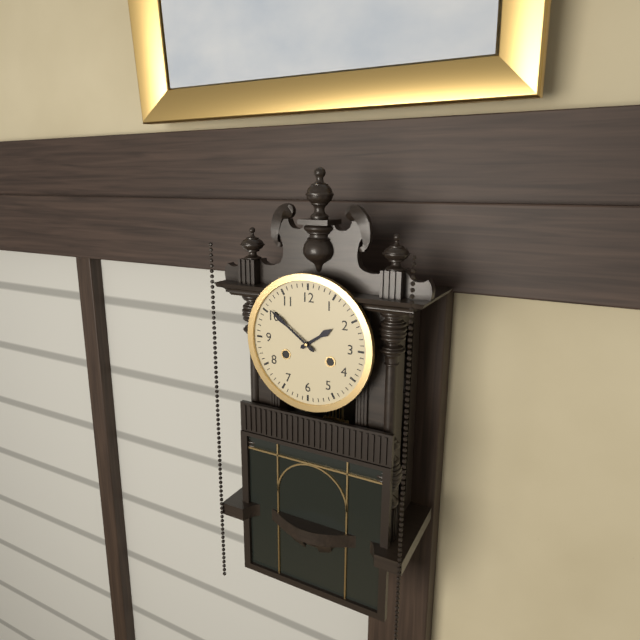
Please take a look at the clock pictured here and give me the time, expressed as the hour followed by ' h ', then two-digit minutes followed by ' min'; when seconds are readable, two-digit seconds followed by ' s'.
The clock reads 1 h 51 min
